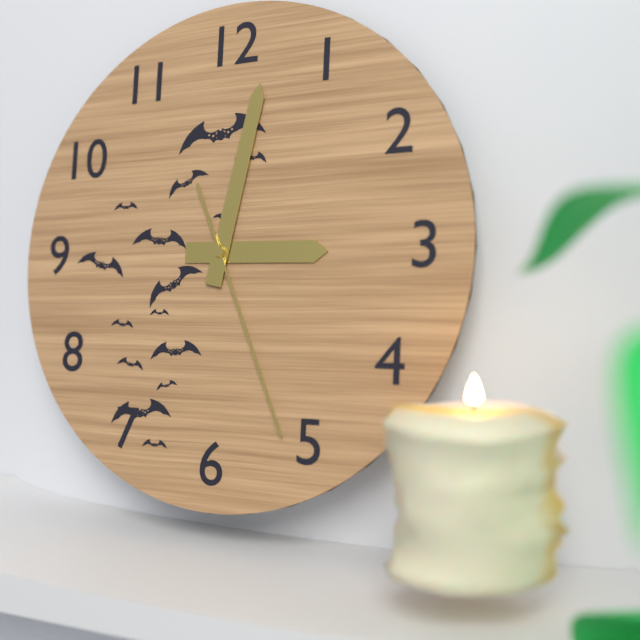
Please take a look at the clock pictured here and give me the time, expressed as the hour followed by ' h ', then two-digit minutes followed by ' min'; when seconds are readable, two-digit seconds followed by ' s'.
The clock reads 3 h 02 min 26 s
